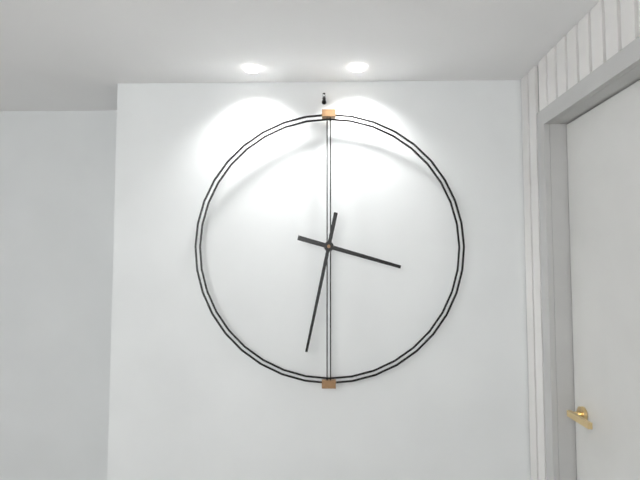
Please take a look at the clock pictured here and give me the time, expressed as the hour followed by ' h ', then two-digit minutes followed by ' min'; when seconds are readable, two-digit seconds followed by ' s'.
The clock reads 3 h 32 min
